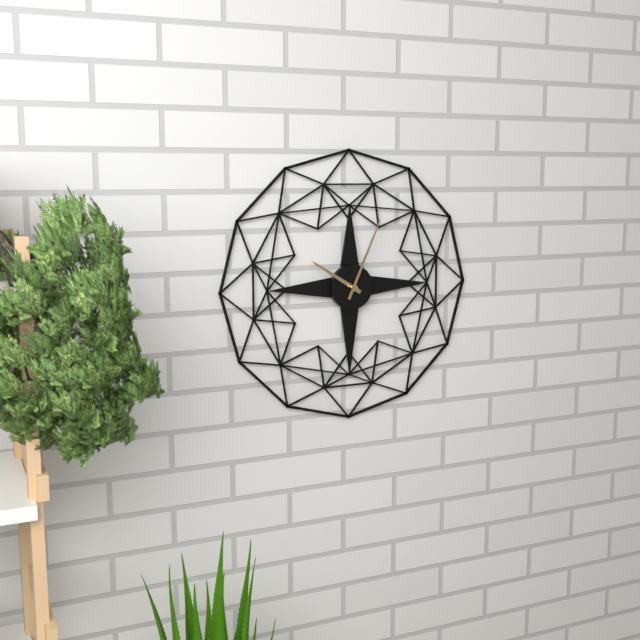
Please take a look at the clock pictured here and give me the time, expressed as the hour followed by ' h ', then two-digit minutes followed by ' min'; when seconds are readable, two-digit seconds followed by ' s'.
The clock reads 10 h 04 min
